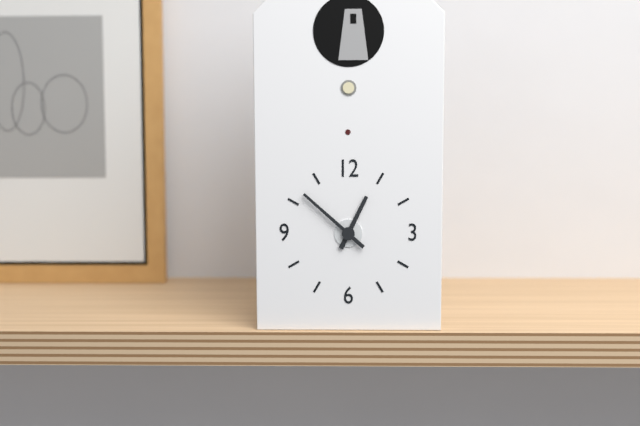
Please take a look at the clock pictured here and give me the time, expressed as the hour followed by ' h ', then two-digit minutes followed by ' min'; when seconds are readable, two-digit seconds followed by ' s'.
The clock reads 12 h 52 min
